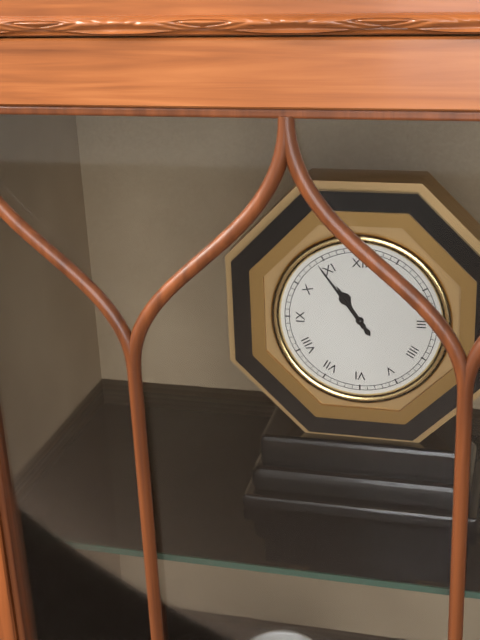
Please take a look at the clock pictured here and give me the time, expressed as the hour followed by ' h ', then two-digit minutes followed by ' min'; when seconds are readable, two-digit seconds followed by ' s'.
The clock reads 10 h 54 min
